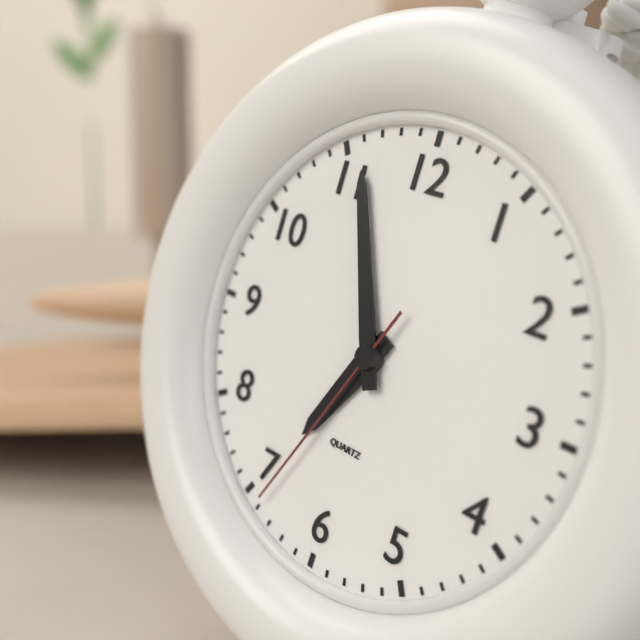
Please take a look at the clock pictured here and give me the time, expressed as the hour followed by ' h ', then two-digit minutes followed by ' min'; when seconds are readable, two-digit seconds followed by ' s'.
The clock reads 6 h 56 min 34 s
